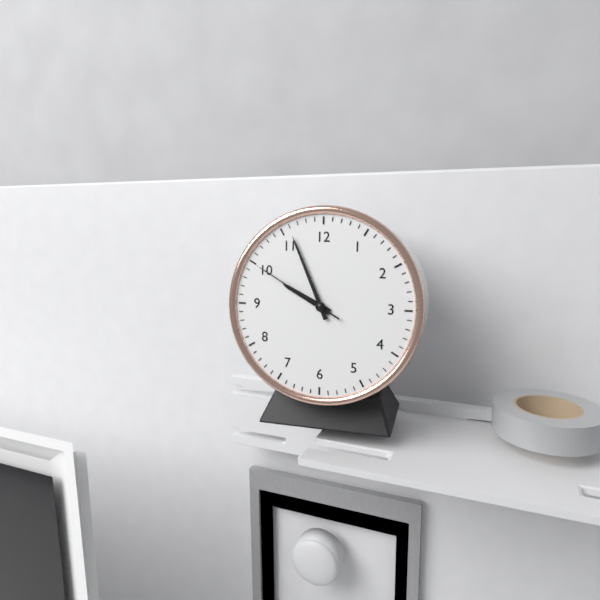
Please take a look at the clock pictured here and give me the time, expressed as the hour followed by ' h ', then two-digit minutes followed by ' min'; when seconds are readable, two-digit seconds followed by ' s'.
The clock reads 9 h 56 min 50 s
